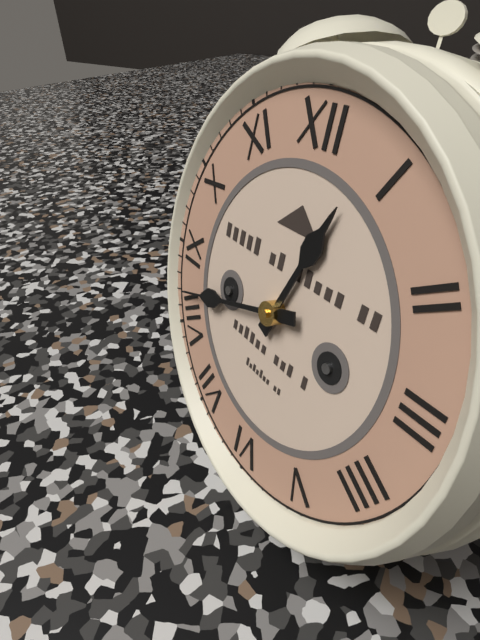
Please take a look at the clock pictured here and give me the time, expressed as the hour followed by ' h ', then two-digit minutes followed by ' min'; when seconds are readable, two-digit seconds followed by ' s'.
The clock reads 12 h 42 min
